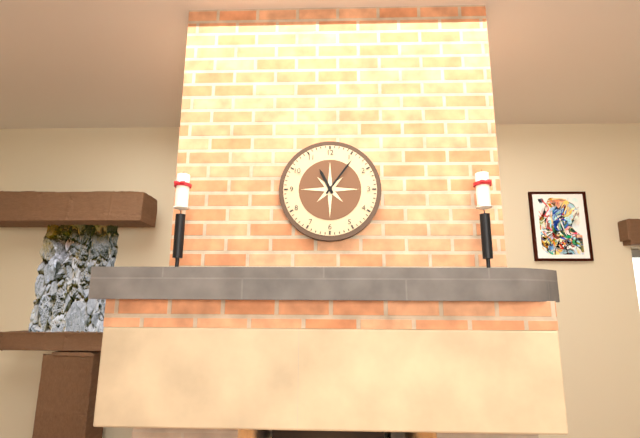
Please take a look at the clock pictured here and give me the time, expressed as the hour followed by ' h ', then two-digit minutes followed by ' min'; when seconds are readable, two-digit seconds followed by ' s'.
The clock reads 11 h 06 min
